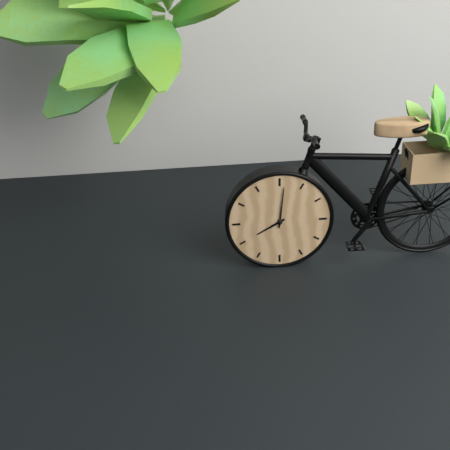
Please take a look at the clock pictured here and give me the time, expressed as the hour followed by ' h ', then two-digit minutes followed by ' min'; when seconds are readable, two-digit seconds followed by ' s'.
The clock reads 8 h 01 min
